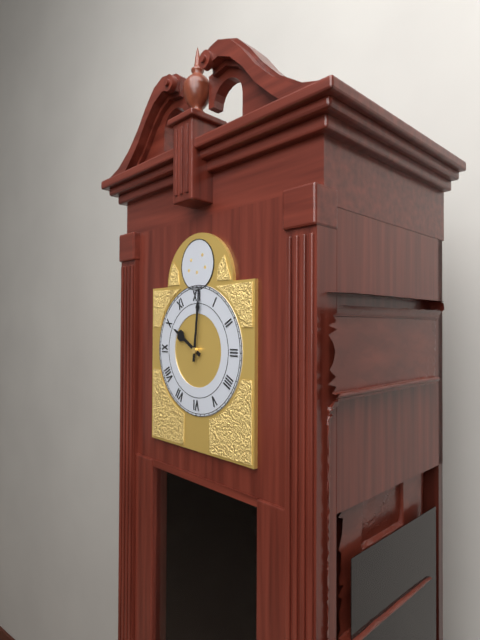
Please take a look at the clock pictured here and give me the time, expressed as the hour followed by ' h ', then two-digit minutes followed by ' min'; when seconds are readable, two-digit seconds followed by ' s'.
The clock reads 10 h 01 min
